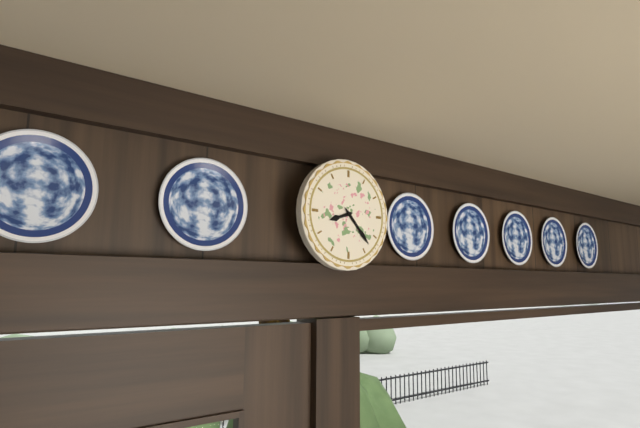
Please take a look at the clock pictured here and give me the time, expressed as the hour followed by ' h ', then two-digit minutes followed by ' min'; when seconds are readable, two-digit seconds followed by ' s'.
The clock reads 8 h 23 min
